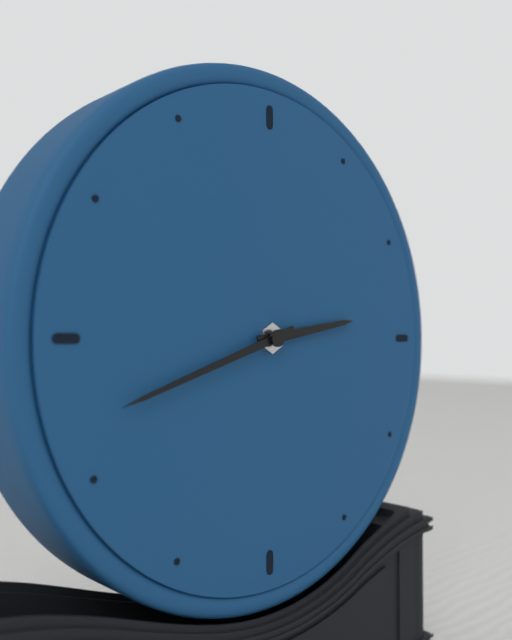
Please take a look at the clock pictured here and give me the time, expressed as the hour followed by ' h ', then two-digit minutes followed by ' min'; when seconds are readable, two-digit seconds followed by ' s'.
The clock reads 2 h 42 min
